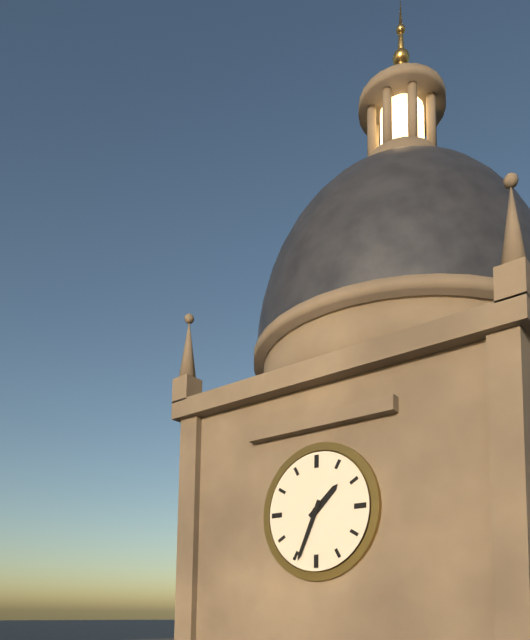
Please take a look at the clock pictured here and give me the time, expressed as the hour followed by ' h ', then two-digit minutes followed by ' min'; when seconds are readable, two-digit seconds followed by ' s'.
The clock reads 1 h 34 min
